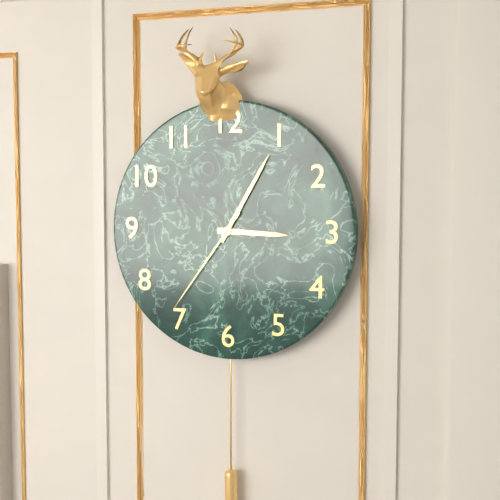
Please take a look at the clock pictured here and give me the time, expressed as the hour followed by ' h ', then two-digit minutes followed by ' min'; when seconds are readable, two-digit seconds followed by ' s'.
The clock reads 3 h 05 min 36 s
